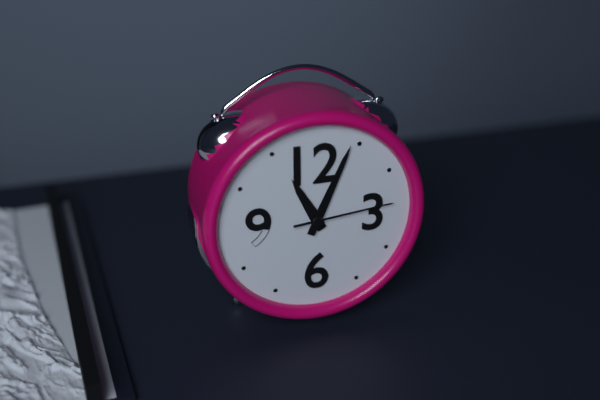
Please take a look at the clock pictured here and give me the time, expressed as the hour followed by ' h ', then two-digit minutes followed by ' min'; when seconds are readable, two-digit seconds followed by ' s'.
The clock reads 11 h 04 min 14 s
